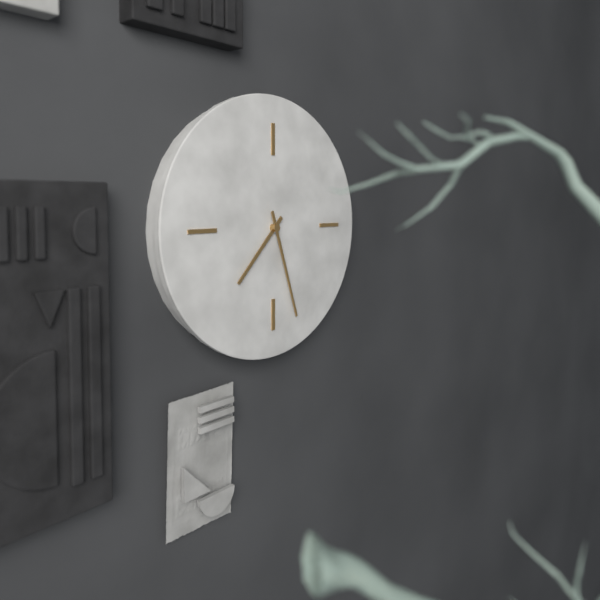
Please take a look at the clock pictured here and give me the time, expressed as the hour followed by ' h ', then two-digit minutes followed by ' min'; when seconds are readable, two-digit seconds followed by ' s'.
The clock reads 7 h 27 min
